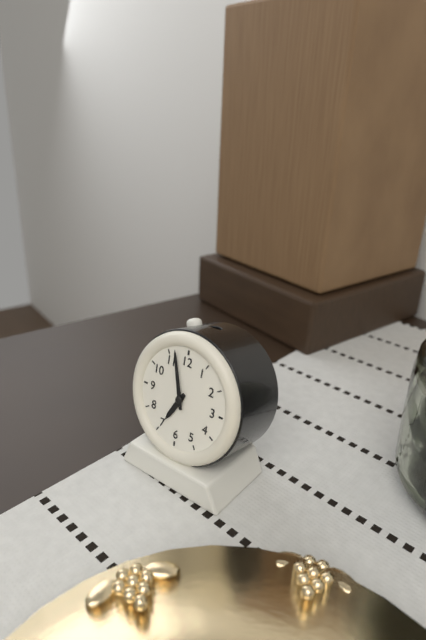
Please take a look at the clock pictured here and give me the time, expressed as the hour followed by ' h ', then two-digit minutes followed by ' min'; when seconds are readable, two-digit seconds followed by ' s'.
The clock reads 6 h 57 min
